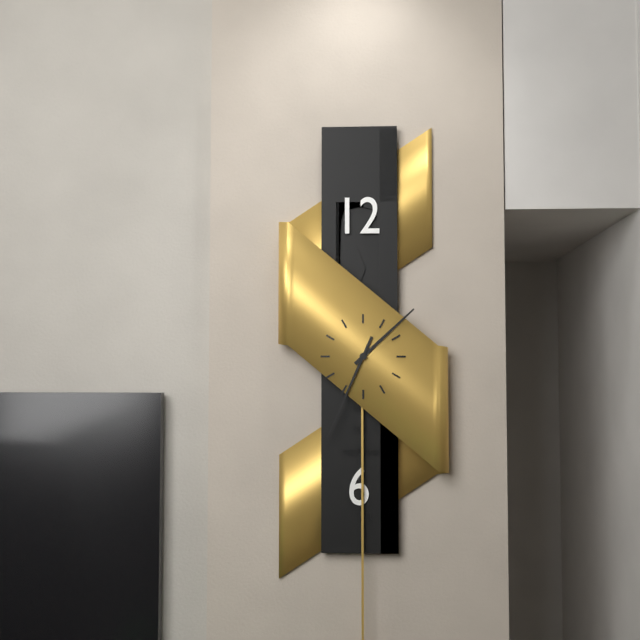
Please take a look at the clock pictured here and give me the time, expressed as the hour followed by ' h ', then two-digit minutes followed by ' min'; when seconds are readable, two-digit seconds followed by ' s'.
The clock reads 1 h 34 min
